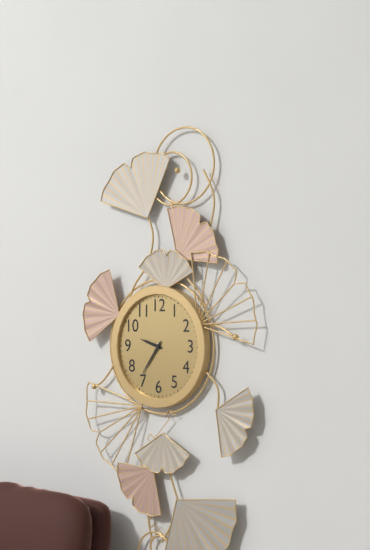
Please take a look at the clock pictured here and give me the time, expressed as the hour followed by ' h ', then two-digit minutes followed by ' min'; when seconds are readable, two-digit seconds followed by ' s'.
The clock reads 9 h 36 min
